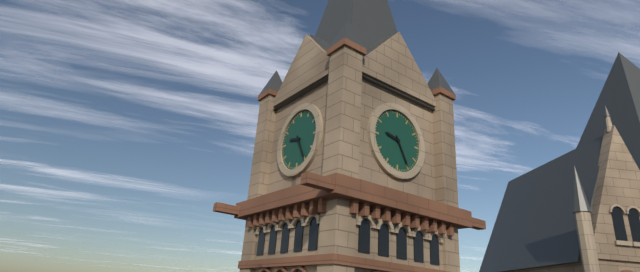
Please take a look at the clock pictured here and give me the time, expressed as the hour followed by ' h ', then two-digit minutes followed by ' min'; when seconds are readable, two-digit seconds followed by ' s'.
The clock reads 9 h 25 min
